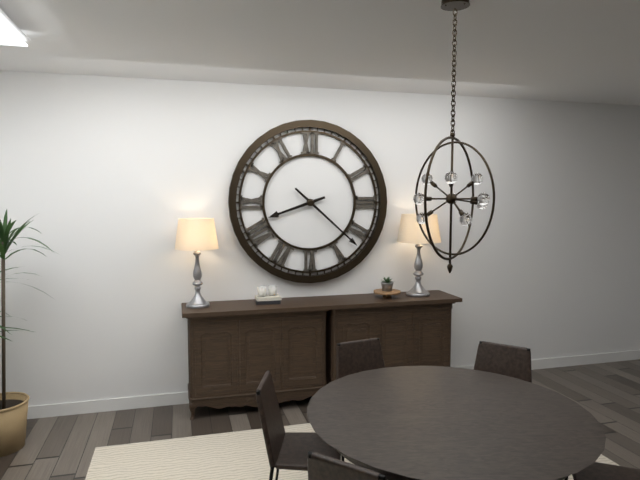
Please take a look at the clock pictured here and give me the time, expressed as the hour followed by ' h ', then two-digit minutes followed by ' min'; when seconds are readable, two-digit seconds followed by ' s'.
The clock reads 8 h 22 min
